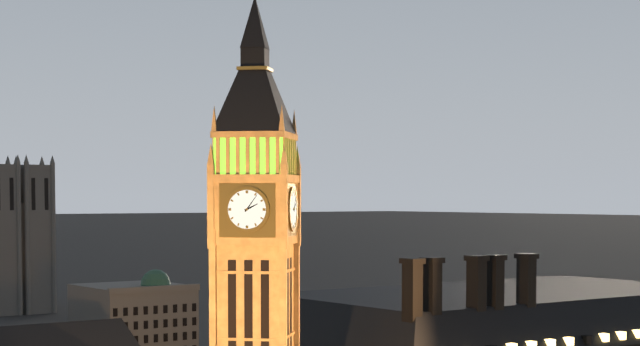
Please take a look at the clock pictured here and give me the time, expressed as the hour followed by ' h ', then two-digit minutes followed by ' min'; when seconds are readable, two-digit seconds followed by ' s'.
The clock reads 2 h 06 min
